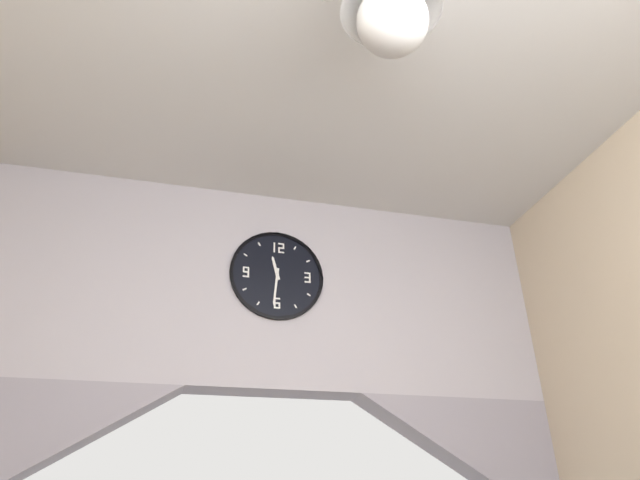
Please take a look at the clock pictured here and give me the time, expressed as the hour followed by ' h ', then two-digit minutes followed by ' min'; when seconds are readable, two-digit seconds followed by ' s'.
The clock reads 11 h 31 min
